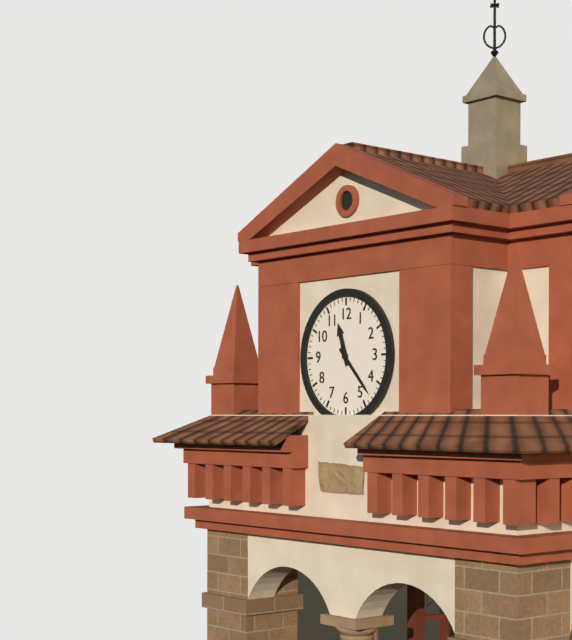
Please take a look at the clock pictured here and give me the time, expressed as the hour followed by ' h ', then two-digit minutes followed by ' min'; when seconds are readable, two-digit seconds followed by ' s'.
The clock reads 11 h 23 min
